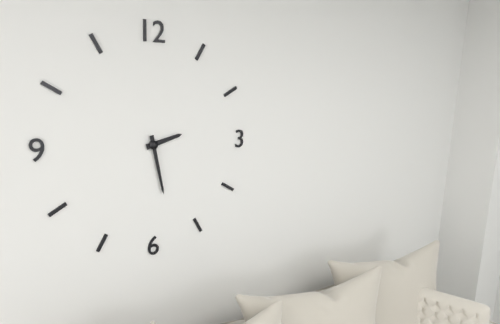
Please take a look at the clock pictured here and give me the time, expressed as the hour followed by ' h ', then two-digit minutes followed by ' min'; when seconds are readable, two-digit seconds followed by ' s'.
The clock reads 2 h 28 min
